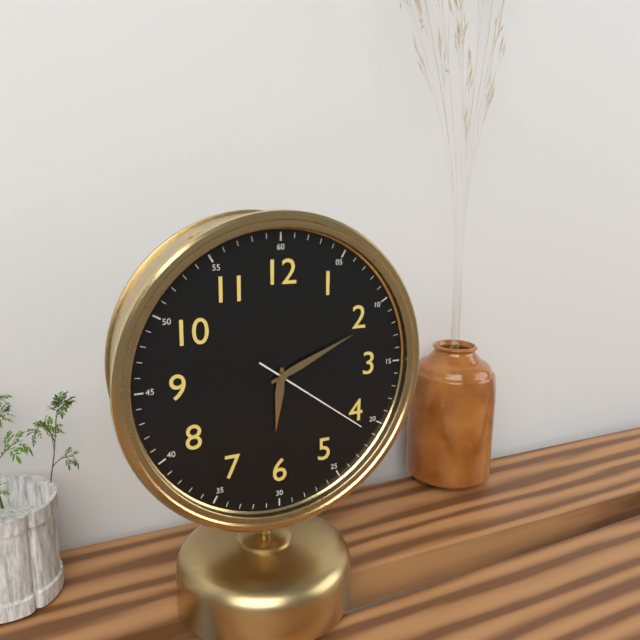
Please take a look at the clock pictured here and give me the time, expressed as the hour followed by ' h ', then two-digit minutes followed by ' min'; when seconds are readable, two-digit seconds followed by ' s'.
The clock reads 6 h 11 min 21 s
